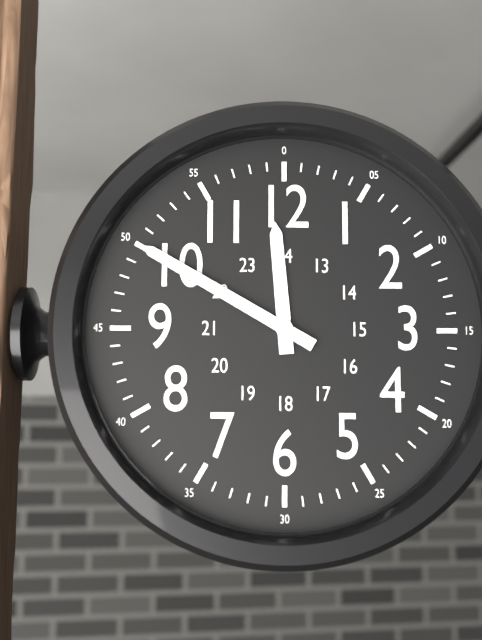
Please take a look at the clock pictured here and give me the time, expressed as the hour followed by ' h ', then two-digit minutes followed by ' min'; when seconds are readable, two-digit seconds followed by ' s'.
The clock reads 11 h 50 min
